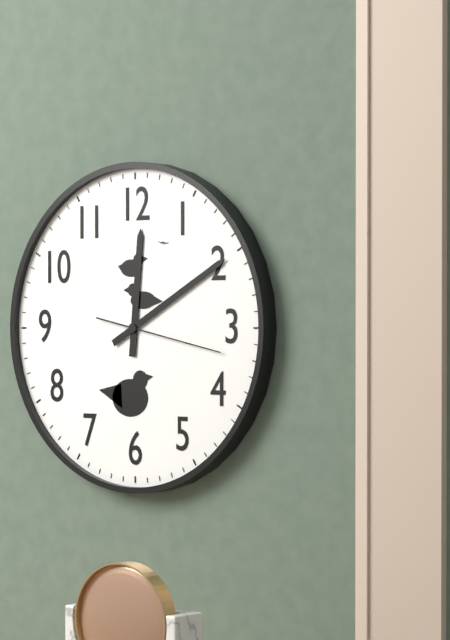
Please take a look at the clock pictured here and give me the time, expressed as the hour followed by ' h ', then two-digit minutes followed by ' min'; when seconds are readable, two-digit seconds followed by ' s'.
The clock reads 12 h 10 min 17 s
